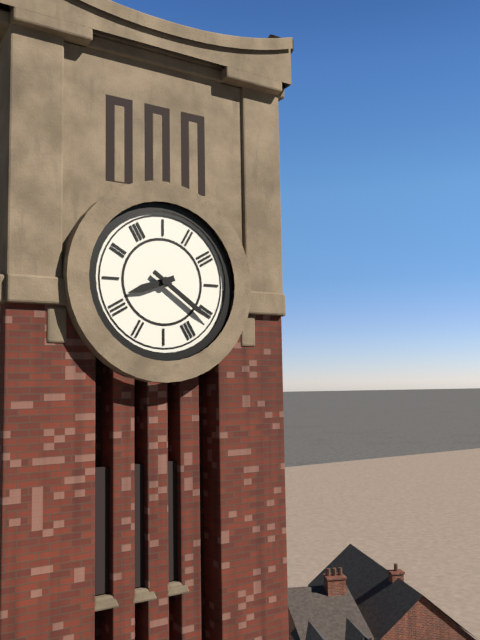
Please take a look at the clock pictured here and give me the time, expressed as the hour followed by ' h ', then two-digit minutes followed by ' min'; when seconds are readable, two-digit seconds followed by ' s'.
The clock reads 8 h 21 min
